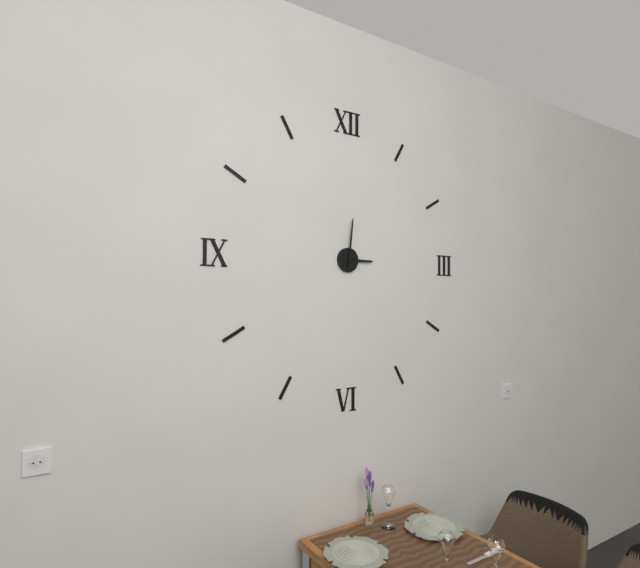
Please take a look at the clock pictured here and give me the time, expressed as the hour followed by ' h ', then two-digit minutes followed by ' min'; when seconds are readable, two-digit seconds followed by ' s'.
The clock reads 3 h 01 min
